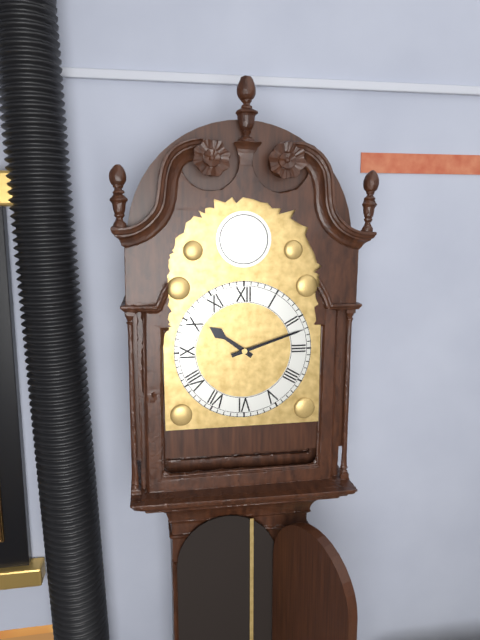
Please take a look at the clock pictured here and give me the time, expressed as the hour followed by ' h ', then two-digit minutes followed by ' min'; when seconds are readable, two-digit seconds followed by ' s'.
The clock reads 10 h 12 min
